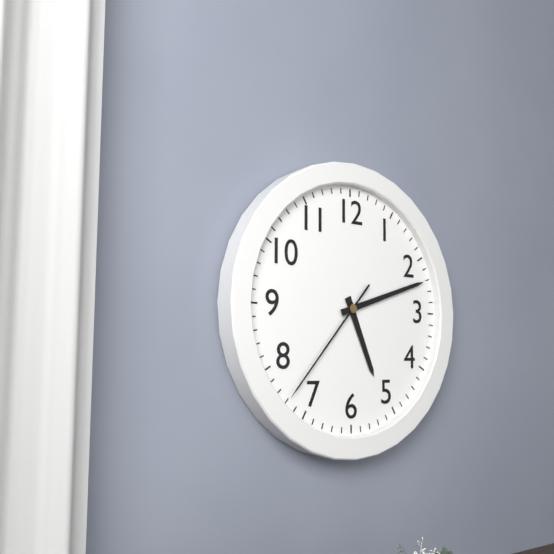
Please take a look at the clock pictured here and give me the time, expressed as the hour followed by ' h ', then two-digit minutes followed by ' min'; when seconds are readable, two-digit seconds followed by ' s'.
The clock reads 5 h 12 min 37 s
